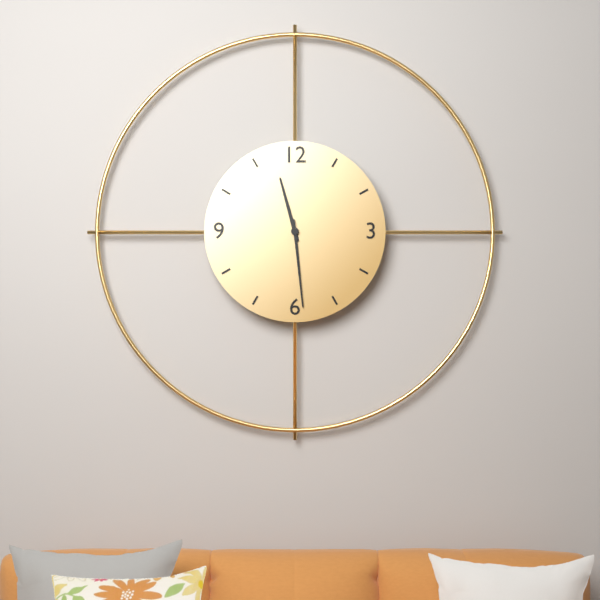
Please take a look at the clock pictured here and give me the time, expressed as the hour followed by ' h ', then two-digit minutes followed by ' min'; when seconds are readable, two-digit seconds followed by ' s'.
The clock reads 11 h 29 min
